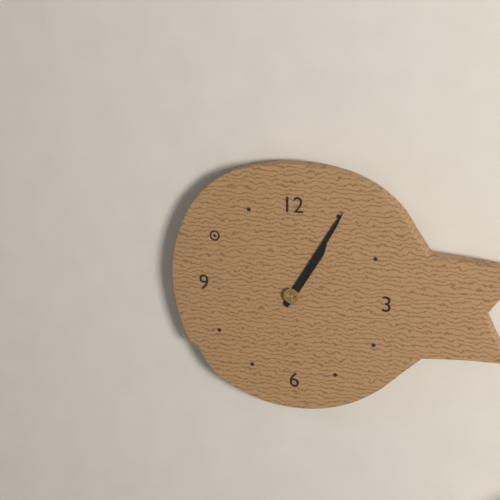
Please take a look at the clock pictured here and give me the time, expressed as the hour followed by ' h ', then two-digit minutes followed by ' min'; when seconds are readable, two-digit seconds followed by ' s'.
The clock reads 1 h 05 min
